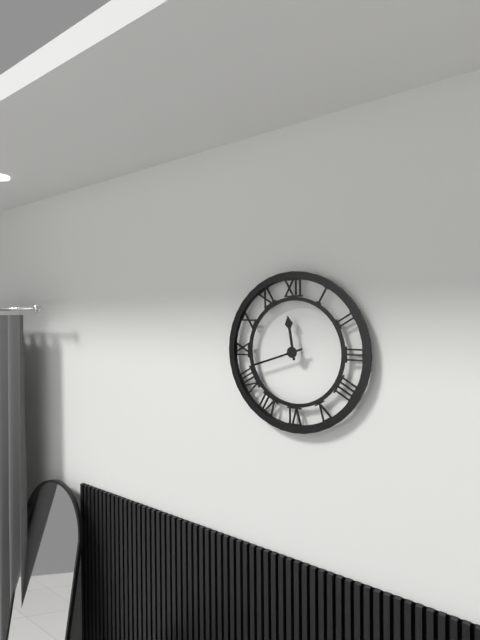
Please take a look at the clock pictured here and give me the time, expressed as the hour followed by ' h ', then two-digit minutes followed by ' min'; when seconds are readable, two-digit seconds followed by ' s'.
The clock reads 11 h 42 min
